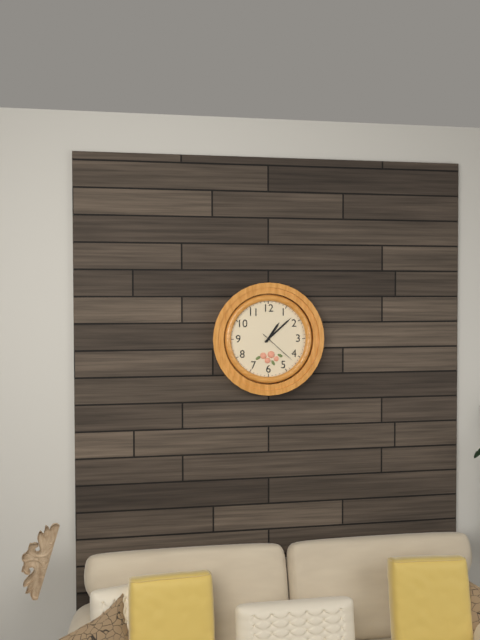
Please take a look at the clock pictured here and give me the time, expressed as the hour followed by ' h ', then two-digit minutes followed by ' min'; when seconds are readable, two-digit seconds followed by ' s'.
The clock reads 1 h 08 min
